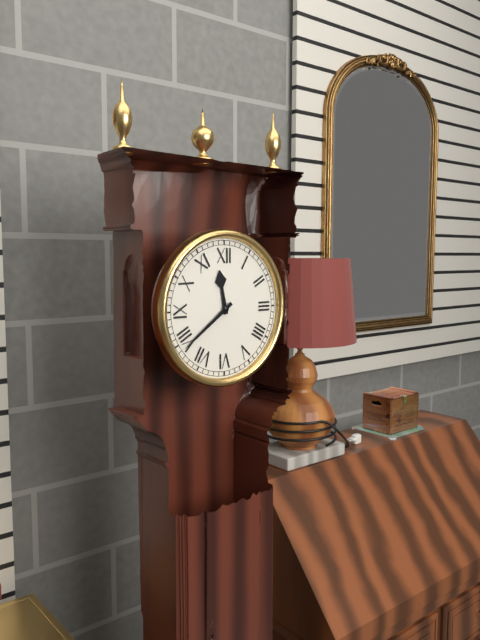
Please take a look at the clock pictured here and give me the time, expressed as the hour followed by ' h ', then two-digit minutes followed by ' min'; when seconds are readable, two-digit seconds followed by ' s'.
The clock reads 11 h 39 min
